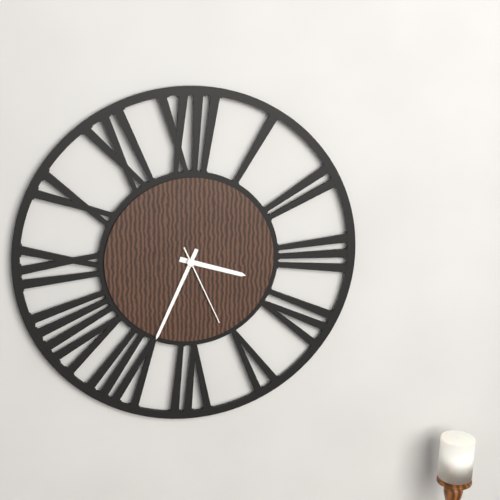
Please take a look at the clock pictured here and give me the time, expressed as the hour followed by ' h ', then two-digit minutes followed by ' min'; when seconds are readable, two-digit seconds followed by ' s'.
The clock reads 3 h 34 min 26 s
